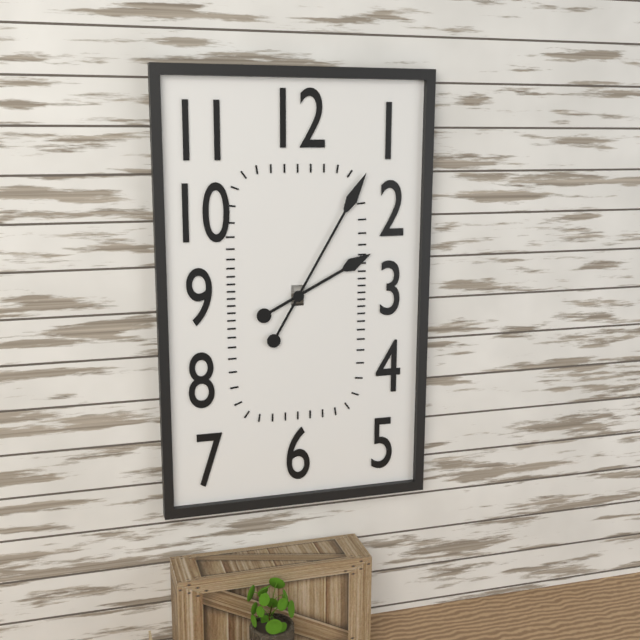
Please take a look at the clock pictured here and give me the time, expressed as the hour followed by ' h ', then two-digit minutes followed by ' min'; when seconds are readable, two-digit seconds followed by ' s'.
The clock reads 2 h 05 min
